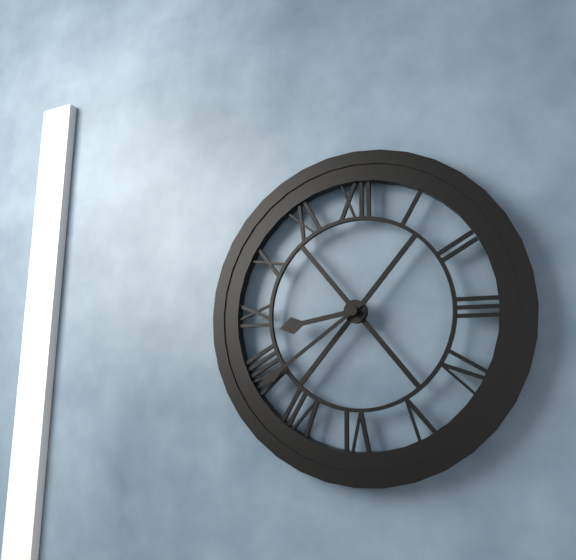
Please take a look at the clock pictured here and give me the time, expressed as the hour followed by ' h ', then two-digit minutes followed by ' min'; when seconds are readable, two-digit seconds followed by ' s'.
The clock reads 8 h 39 min
